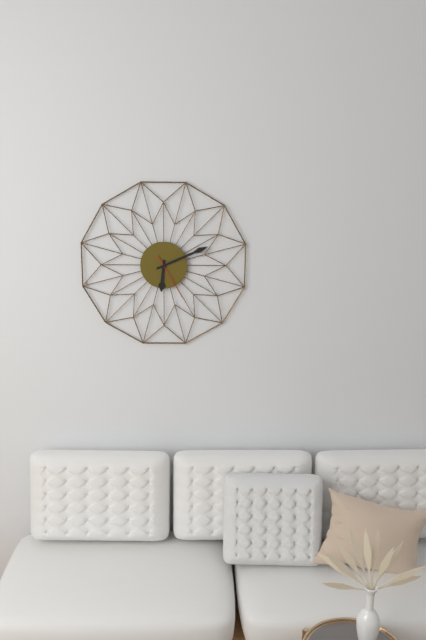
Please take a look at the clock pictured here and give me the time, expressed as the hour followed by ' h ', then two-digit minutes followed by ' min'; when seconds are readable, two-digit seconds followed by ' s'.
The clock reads 6 h 11 min
